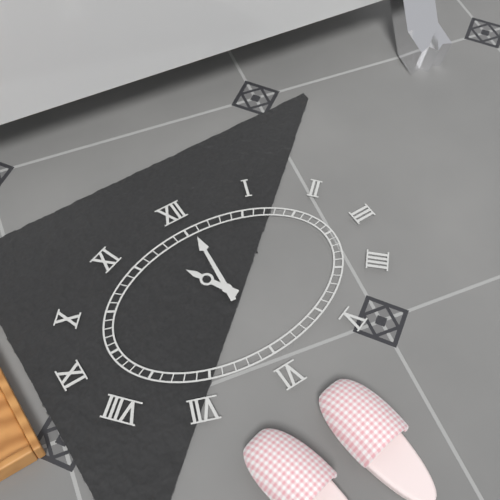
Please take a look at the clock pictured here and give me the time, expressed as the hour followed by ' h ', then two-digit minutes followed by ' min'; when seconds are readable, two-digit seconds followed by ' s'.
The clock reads 11 h 01 min
